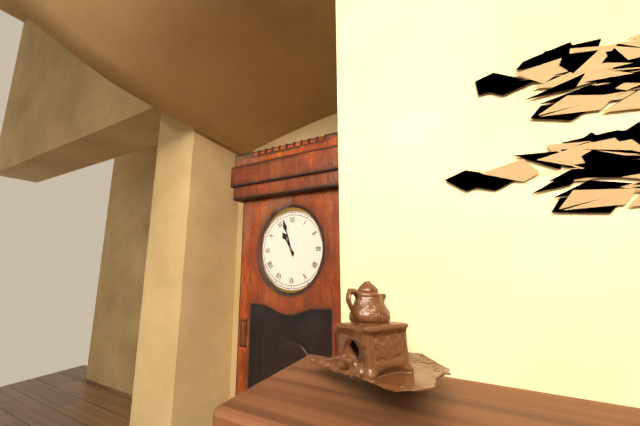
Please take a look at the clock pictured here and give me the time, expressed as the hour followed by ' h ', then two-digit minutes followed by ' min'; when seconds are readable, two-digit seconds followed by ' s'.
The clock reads 10 h 57 min
